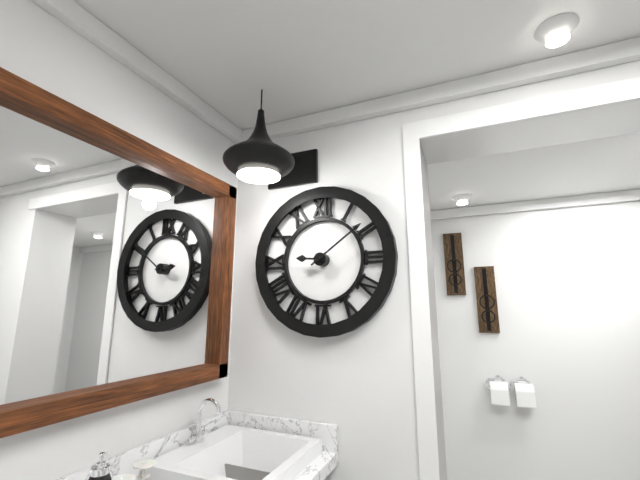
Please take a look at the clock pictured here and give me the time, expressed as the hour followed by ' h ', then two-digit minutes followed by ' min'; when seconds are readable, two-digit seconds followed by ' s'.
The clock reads 9 h 09 min
